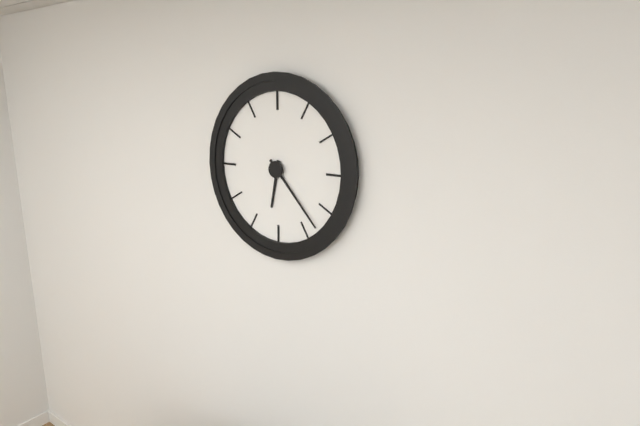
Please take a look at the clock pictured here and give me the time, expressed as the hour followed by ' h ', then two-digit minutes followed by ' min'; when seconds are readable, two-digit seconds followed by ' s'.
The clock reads 6 h 23 min
